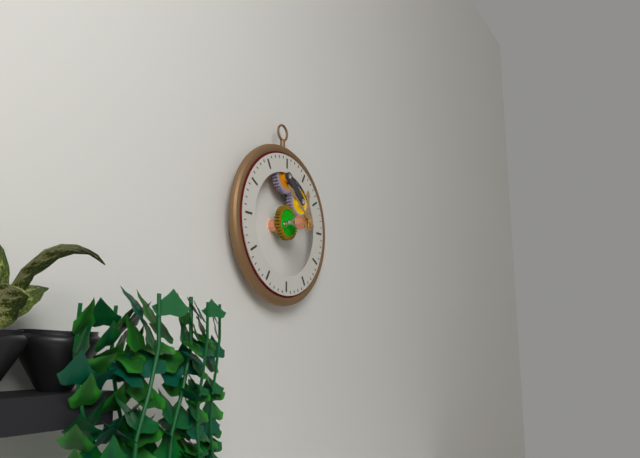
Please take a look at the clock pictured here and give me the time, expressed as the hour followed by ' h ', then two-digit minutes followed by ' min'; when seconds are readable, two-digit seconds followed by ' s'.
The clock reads 11 h 51 min
